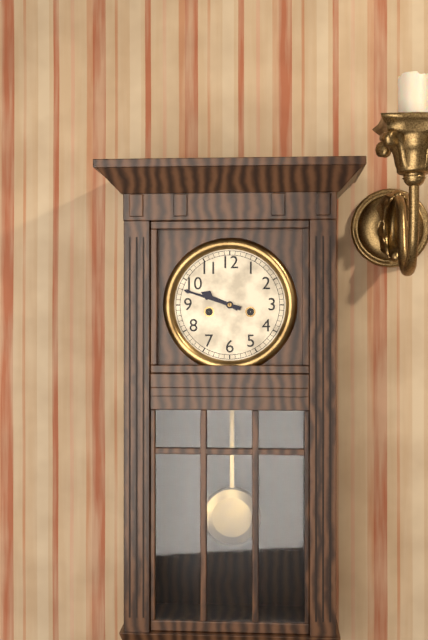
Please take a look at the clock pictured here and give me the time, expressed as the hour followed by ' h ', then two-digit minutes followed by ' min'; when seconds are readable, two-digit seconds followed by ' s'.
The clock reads 9 h 48 min
